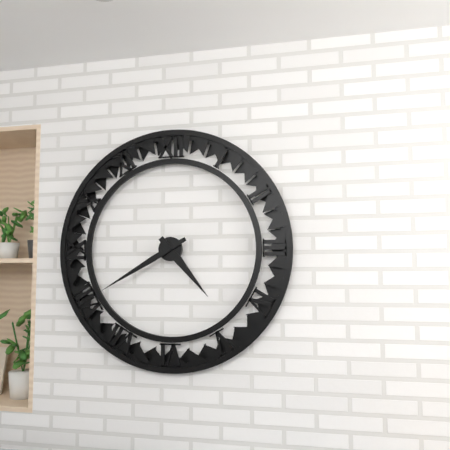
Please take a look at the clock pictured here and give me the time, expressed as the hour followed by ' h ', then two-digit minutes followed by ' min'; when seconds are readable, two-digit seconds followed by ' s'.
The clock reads 4 h 40 min
